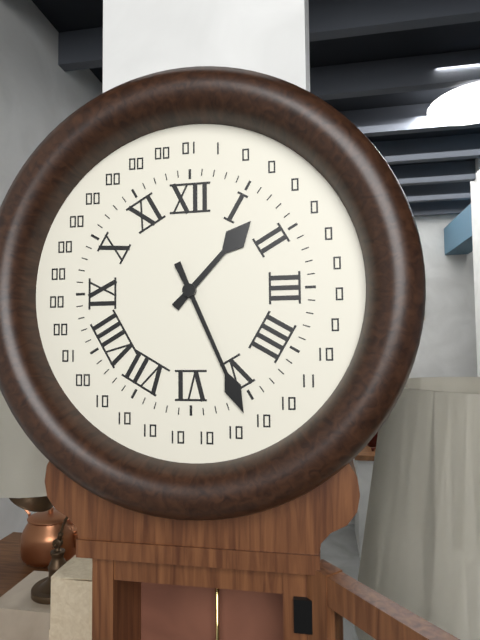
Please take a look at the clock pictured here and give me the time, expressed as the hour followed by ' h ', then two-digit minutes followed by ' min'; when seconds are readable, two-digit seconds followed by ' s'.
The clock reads 1 h 26 min
